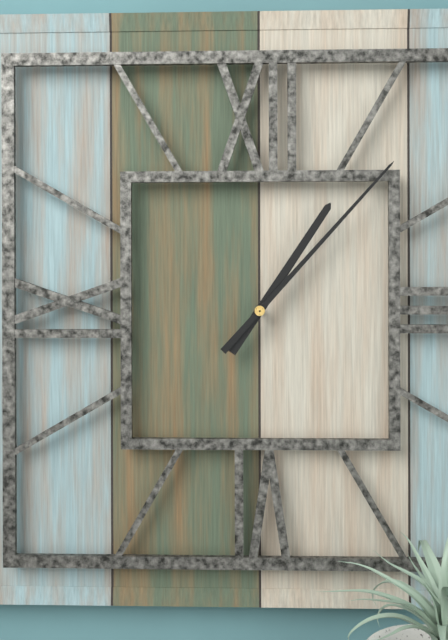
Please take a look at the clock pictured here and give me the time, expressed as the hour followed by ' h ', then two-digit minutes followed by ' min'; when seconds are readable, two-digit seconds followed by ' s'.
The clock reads 1 h 07 min
